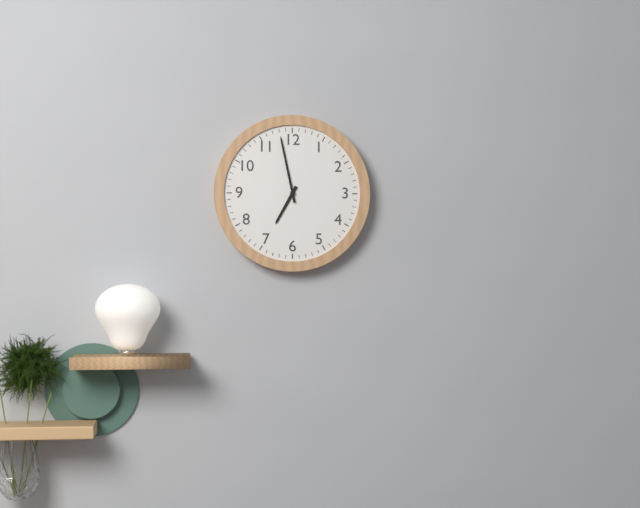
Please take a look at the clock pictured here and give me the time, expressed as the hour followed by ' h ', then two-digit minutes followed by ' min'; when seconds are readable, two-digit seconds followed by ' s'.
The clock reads 6 h 58 min
